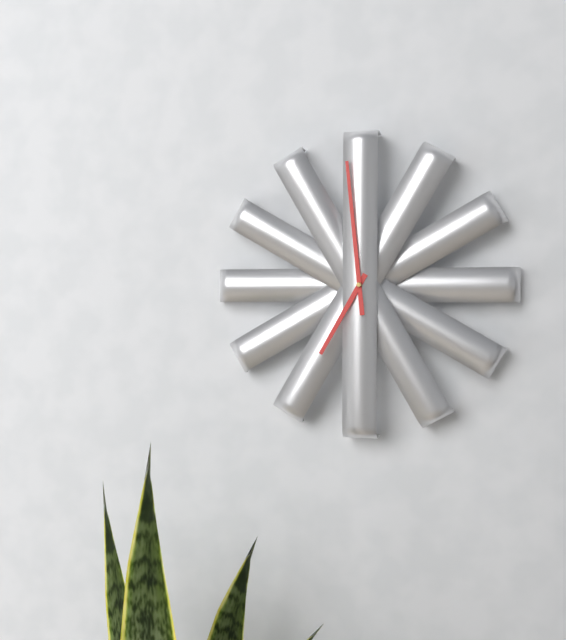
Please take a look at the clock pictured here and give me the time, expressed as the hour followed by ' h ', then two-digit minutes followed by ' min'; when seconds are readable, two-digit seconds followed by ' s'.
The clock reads 6 h 59 min
